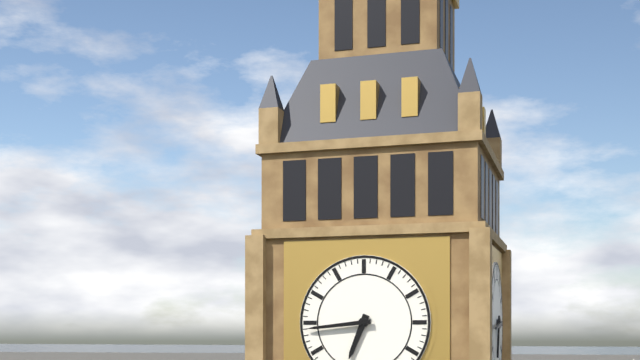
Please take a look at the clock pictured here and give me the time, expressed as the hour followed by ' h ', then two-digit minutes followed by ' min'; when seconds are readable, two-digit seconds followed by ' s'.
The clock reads 6 h 44 min
